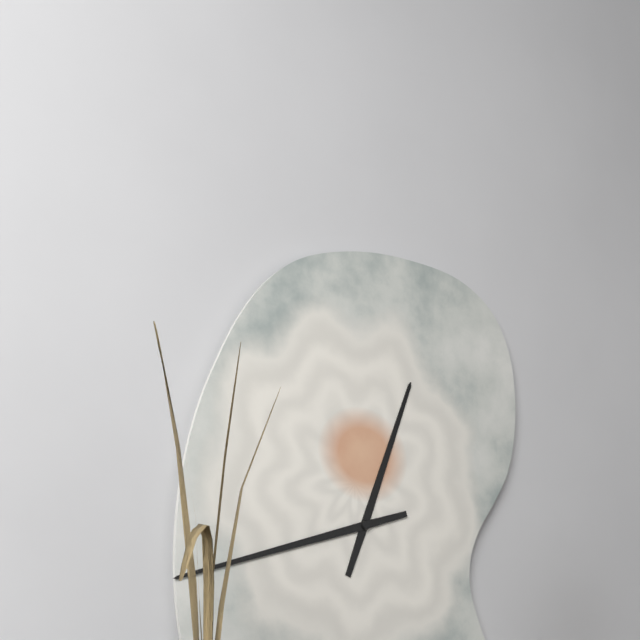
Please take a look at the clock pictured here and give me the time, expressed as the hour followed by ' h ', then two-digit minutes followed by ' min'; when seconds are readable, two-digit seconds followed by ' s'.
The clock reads 12 h 42 min
